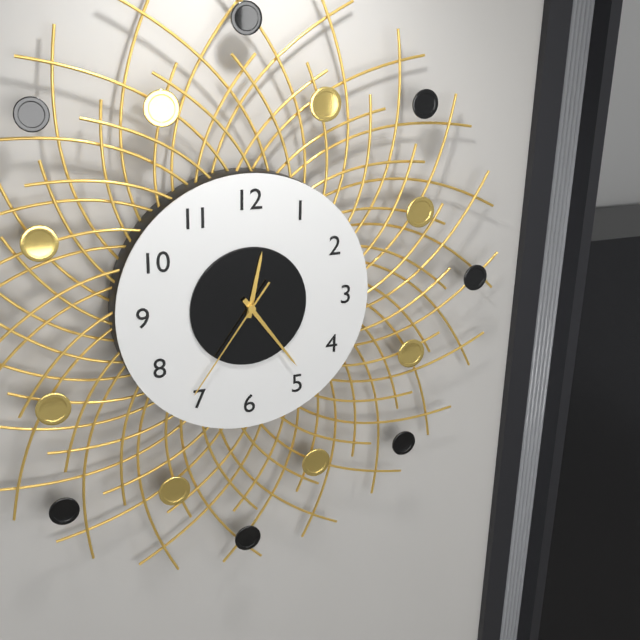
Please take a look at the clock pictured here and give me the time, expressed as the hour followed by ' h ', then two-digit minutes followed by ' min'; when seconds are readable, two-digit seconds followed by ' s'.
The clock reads 12 h 24 min 36 s
